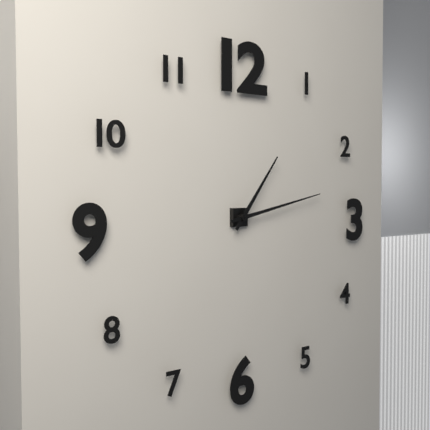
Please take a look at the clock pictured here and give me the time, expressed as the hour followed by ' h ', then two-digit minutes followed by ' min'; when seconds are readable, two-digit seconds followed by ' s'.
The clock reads 1 h 13 min
